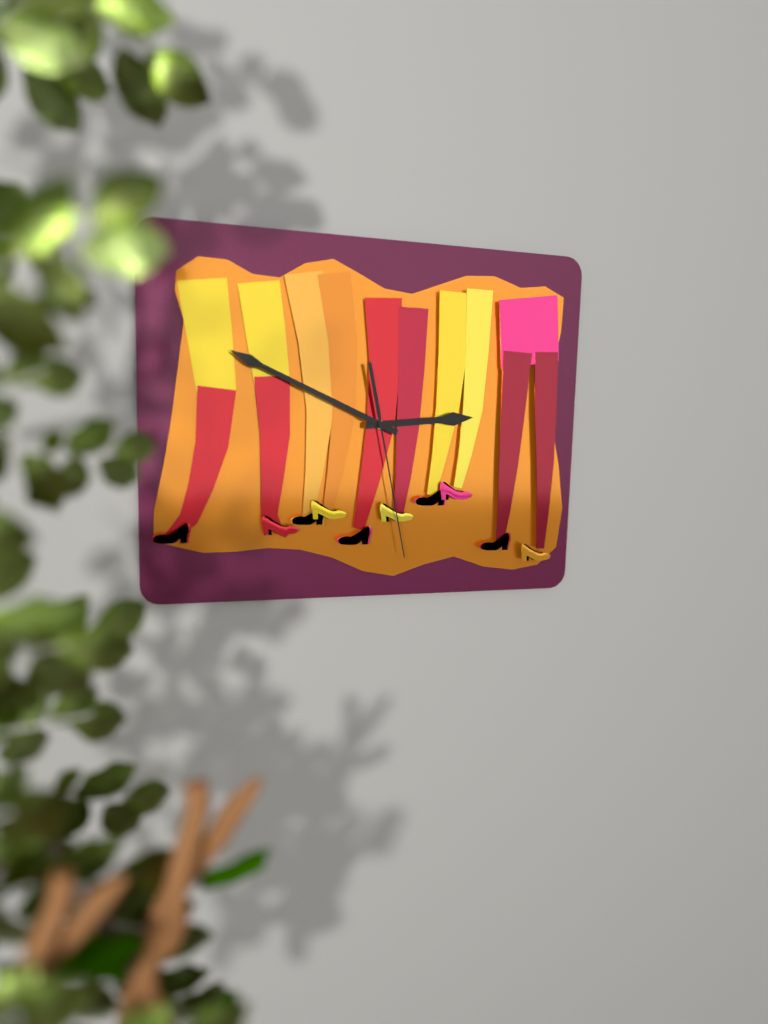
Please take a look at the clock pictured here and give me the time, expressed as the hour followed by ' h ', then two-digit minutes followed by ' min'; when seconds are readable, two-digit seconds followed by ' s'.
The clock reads 2 h 49 min 28 s
